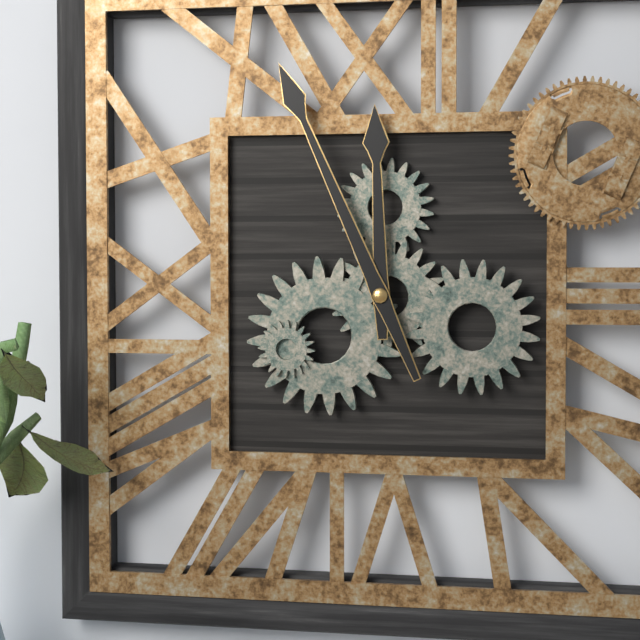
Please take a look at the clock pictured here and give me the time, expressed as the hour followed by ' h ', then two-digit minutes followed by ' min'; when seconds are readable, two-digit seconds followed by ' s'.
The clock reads 11 h 56 min
